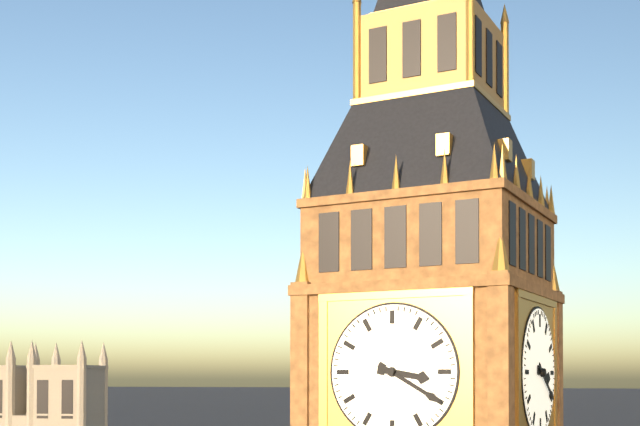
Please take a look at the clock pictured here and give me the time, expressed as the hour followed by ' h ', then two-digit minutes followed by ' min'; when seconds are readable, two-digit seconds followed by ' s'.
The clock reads 3 h 20 min
